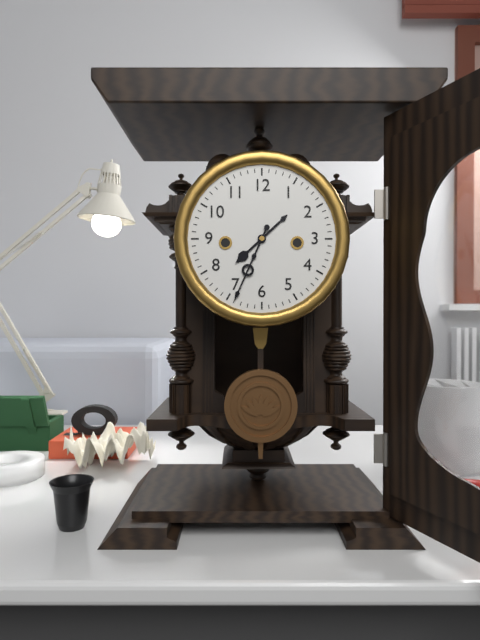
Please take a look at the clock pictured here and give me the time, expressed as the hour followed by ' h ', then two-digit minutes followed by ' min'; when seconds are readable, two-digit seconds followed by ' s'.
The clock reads 7 h 34 min
